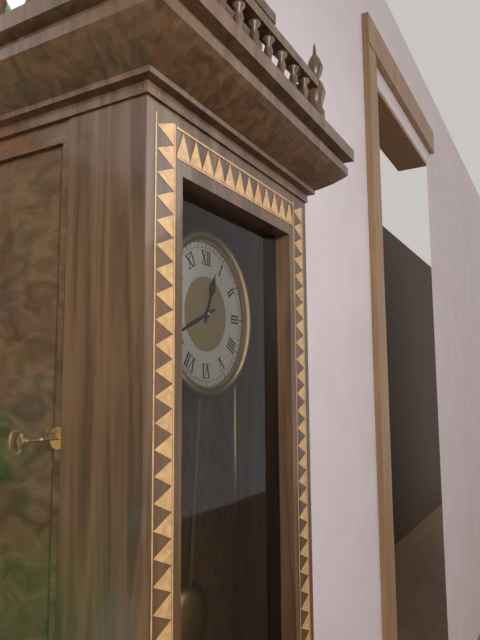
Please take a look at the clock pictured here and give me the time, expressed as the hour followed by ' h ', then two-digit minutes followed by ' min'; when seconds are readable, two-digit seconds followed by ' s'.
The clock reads 12 h 41 min
